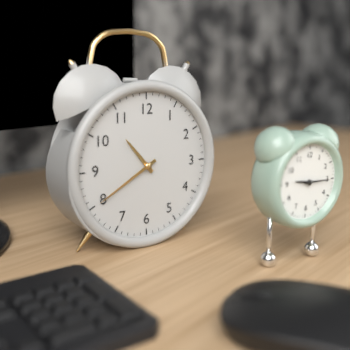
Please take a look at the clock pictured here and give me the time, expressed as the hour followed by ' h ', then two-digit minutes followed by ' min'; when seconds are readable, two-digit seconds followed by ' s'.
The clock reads 10 h 40 min
